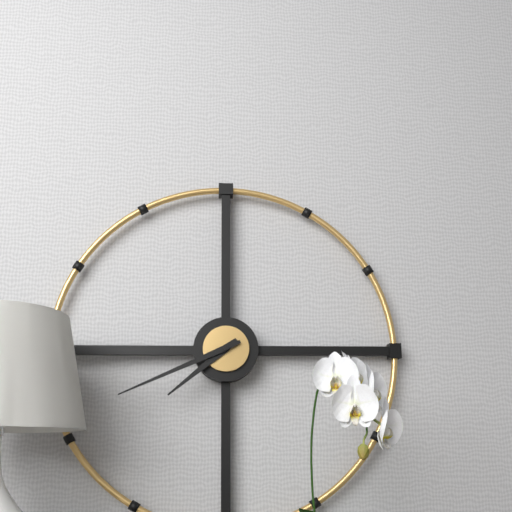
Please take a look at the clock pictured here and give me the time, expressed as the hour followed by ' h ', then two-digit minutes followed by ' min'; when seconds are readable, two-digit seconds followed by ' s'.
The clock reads 7 h 41 min
